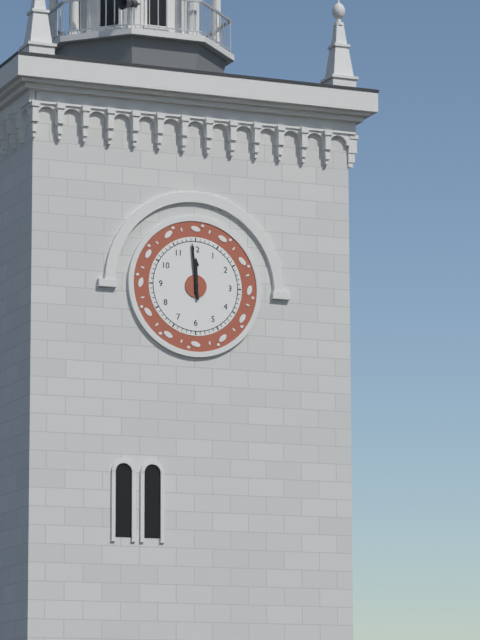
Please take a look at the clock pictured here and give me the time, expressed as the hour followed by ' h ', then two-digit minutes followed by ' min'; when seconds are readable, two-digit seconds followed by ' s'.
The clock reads 11 h 59 min
